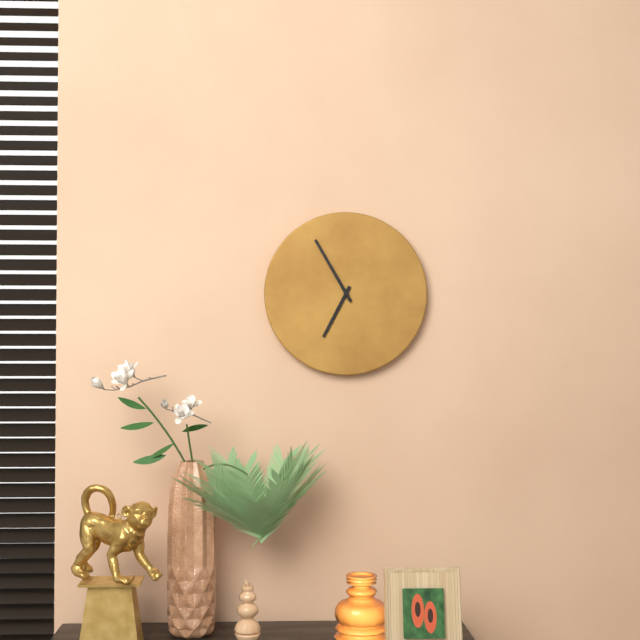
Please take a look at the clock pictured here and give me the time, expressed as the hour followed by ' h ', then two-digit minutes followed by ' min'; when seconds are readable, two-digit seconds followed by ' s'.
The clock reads 6 h 55 min
